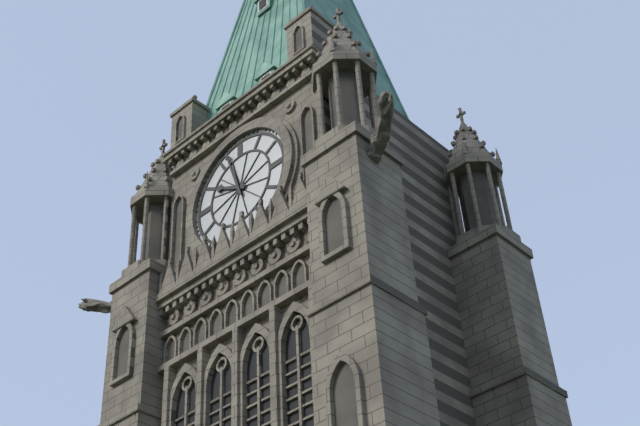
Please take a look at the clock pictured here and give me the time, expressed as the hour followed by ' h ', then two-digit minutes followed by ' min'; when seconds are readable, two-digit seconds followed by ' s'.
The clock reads 9 h 57 min
